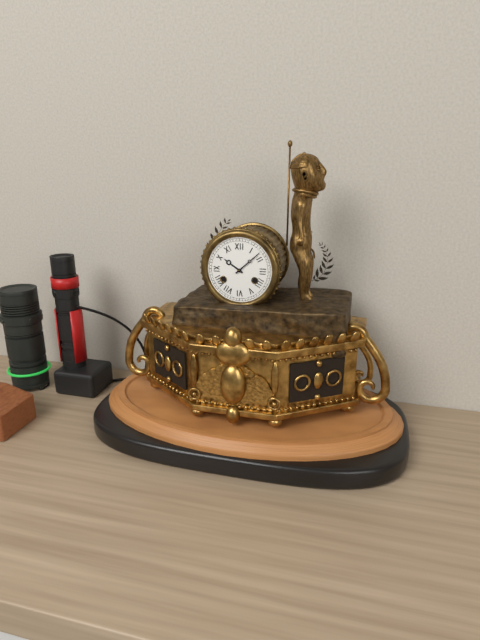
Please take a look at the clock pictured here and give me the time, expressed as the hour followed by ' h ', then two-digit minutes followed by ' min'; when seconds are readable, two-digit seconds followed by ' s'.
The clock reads 10 h 08 min
